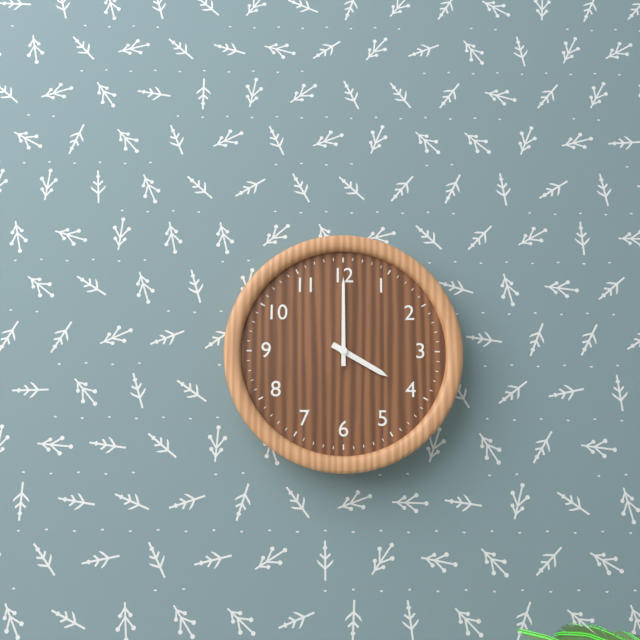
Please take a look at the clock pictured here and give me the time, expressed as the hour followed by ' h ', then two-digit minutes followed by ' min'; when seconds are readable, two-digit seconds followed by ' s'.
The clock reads 4 h 00 min
